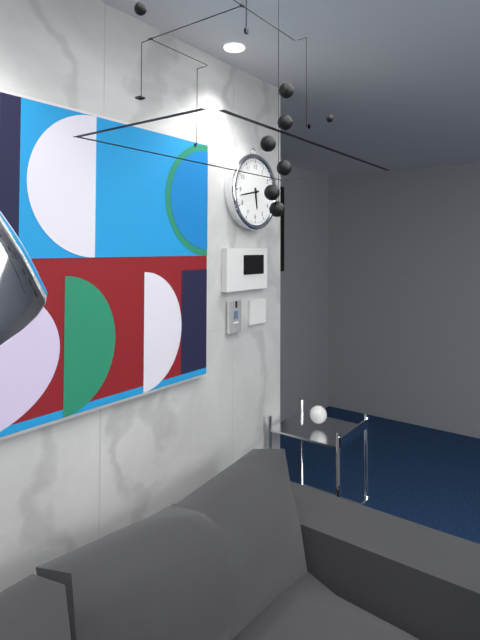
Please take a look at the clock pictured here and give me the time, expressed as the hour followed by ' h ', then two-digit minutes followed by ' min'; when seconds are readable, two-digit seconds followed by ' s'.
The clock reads 5 h 43 min
